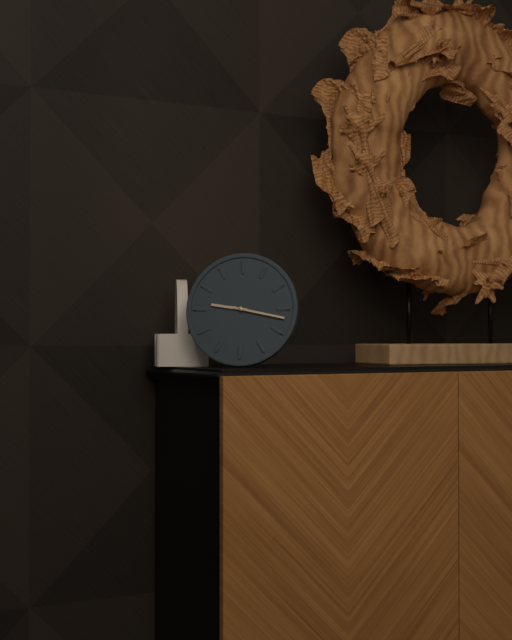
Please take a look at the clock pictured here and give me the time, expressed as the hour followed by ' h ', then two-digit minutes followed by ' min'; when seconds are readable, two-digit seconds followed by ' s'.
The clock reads 9 h 17 min
